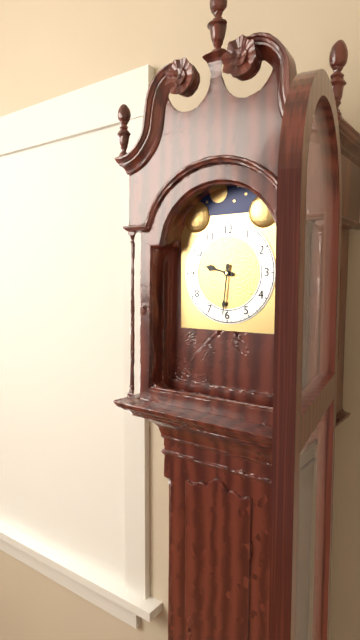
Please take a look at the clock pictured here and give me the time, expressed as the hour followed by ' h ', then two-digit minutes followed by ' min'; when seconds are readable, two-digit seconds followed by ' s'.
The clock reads 9 h 31 min
